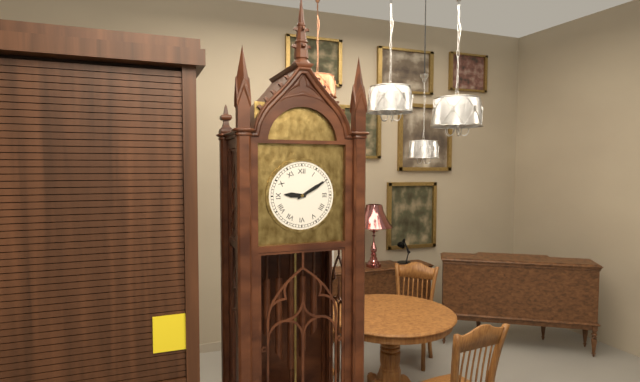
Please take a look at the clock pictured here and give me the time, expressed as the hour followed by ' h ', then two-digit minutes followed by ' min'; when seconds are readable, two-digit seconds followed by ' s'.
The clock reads 9 h 10 min
